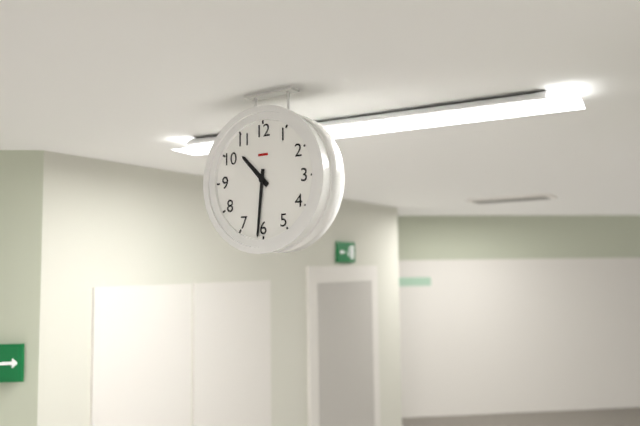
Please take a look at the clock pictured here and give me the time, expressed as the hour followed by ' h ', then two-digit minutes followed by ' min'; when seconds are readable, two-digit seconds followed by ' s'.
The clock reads 10 h 31 min
